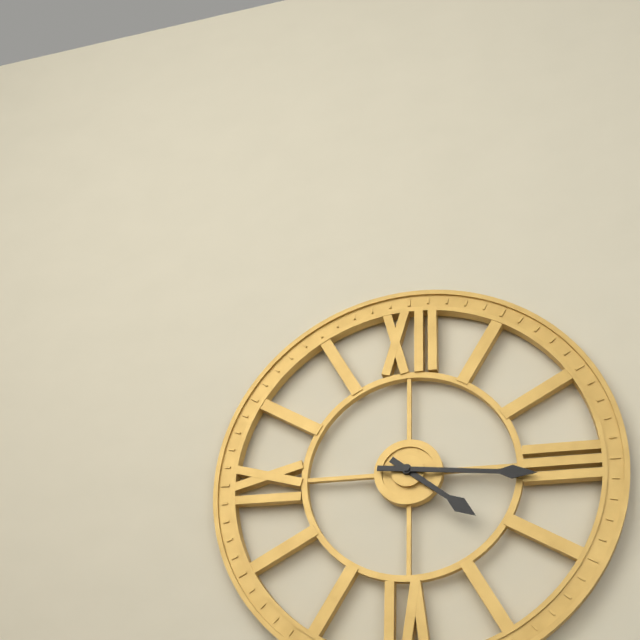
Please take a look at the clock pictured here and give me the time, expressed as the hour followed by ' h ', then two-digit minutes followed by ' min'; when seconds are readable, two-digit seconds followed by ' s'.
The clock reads 4 h 16 min
